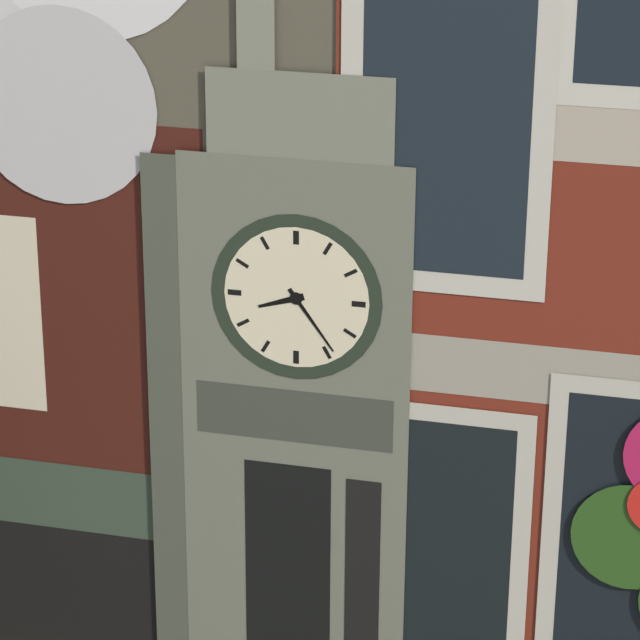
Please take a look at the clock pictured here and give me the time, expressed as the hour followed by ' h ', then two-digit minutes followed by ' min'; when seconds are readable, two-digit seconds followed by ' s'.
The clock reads 8 h 24 min
